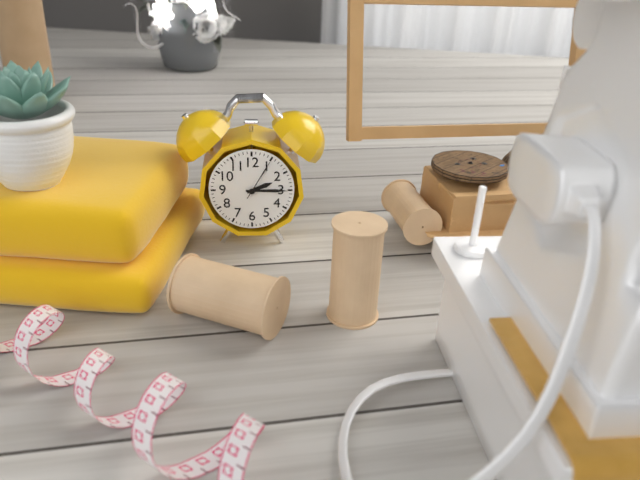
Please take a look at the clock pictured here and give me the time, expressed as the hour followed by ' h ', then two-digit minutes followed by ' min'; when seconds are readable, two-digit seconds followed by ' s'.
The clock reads 2 h 15 min
